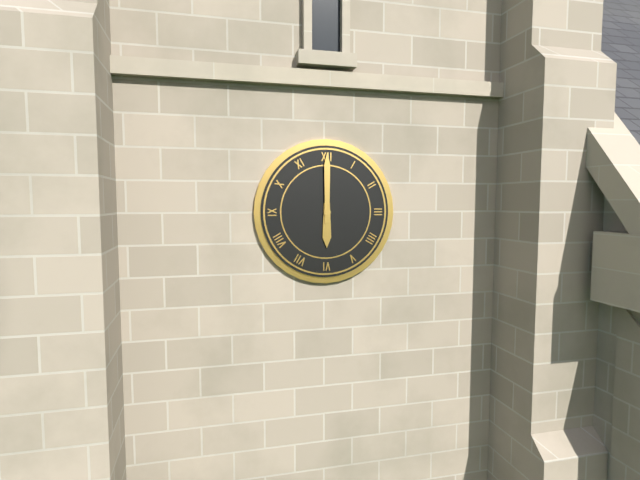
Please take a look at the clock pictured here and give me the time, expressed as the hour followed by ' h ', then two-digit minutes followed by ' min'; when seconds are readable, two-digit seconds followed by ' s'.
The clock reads 6 h 00 min
